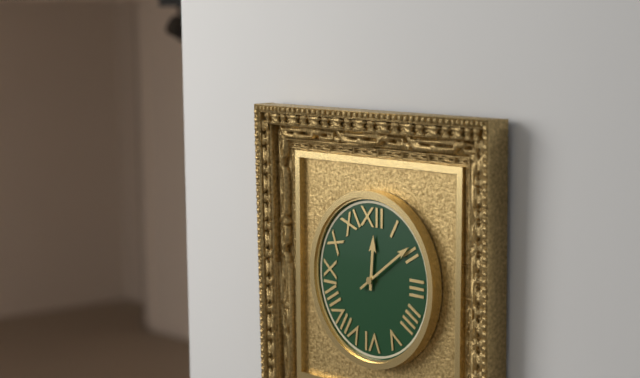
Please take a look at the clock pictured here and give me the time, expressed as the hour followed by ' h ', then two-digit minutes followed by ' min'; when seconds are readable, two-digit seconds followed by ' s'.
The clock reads 12 h 09 min
